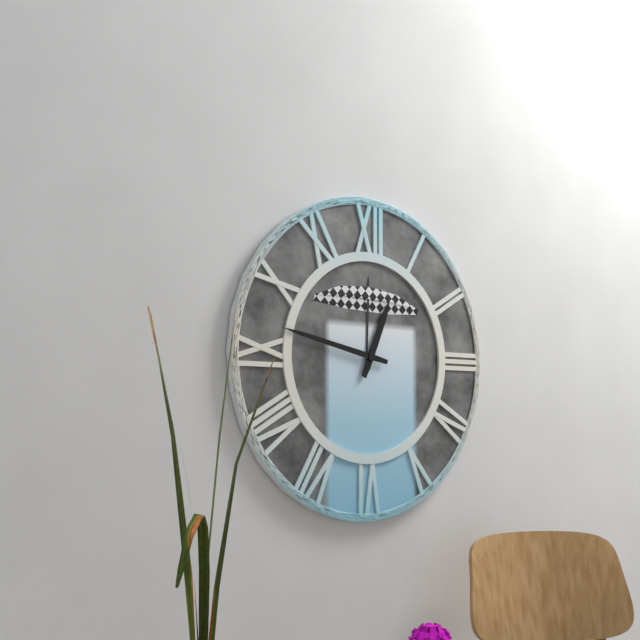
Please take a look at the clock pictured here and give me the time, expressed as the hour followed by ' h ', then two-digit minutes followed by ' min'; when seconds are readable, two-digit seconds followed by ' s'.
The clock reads 12 h 47 min
